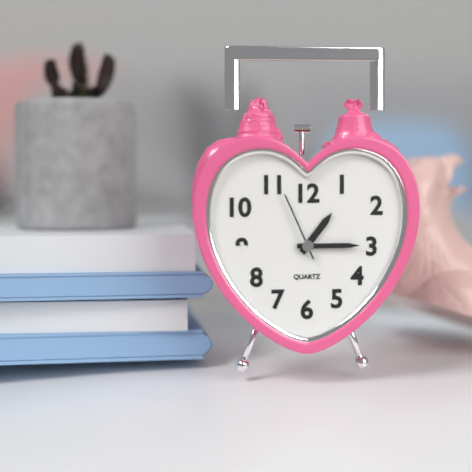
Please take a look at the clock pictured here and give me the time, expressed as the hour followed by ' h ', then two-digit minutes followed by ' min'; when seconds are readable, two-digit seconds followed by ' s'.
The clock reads 1 h 15 min 56 s
